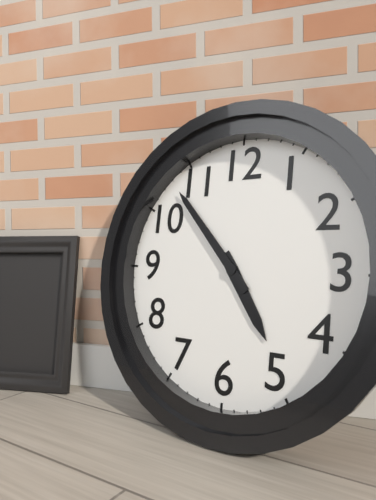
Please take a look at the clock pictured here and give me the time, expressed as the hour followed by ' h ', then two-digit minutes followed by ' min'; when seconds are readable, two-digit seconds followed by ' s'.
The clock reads 4 h 53 min
